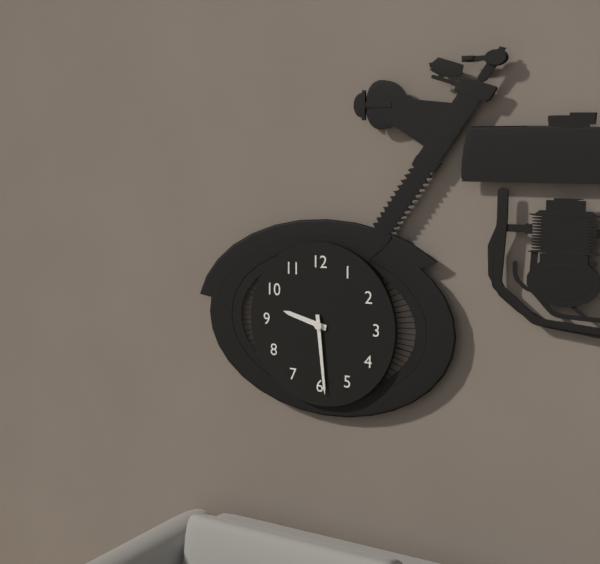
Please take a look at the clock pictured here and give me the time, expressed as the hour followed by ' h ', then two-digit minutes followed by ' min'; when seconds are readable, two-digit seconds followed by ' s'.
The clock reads 9 h 29 min
